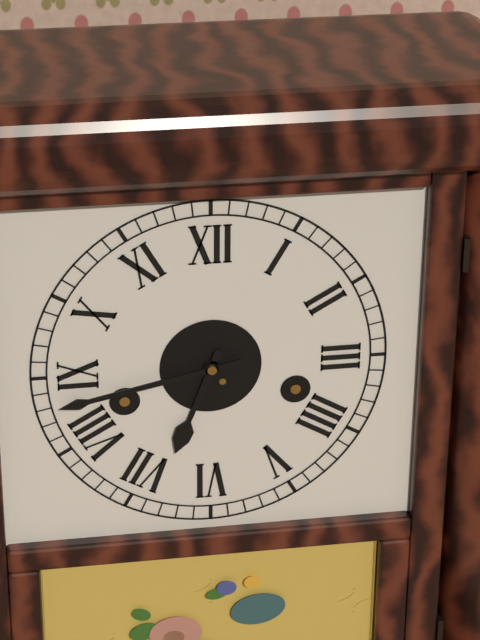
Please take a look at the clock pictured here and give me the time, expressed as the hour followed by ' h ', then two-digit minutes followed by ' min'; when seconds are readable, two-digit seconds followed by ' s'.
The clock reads 6 h 43 min
